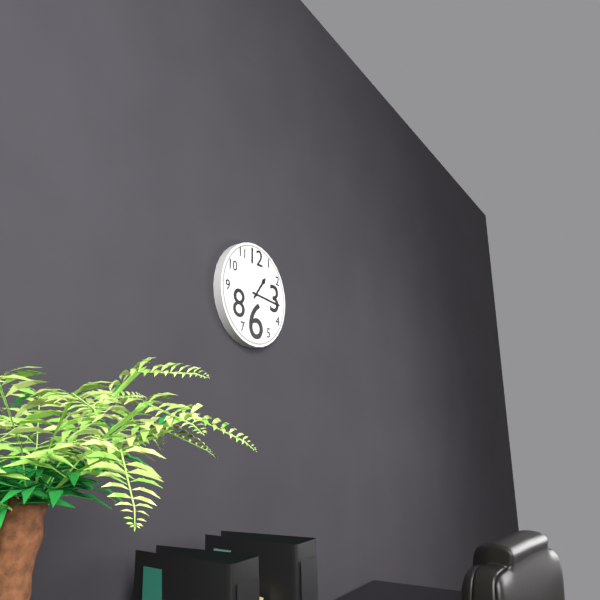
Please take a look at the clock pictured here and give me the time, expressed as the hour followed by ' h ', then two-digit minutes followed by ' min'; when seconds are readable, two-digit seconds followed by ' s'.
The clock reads 1 h 16 min
